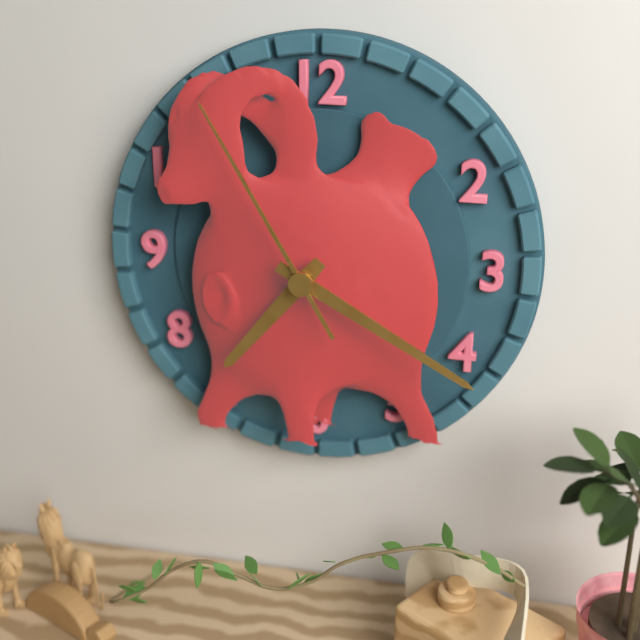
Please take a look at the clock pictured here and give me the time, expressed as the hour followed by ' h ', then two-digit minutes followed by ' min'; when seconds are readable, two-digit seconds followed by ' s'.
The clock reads 7 h 20 min 55 s
